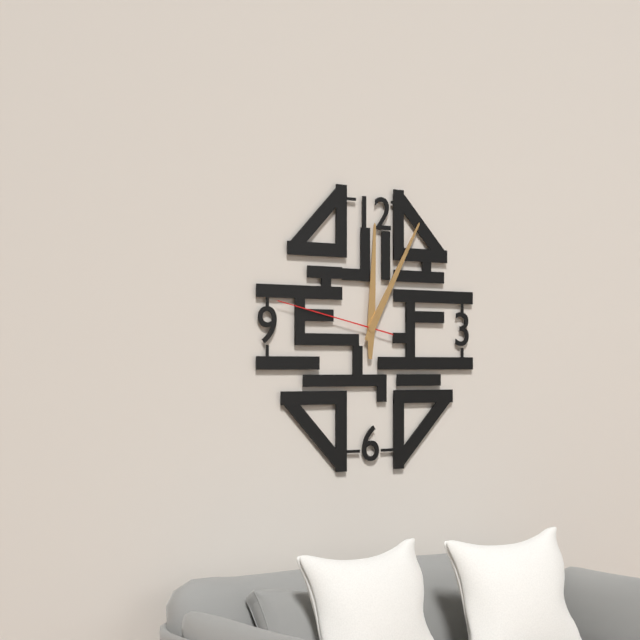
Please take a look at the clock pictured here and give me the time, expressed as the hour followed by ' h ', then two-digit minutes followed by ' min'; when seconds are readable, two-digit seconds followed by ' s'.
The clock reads 12 h 05 min 47 s
